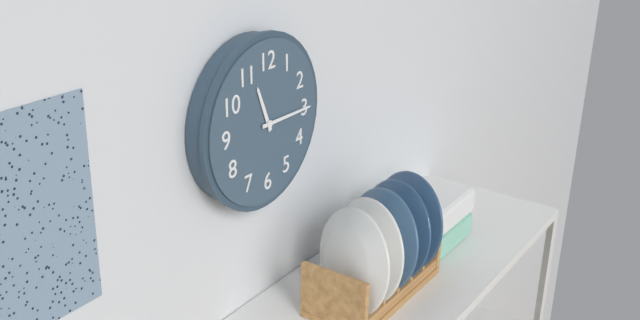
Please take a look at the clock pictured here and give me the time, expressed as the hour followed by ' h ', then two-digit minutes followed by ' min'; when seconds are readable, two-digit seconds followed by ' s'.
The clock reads 11 h 15 min
